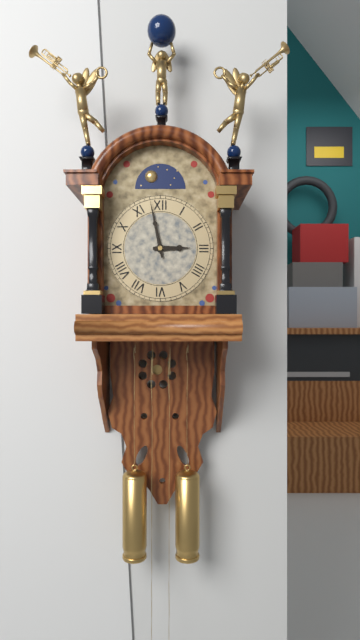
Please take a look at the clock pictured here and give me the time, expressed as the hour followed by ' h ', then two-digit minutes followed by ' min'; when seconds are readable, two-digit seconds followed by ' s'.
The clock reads 2 h 58 min
